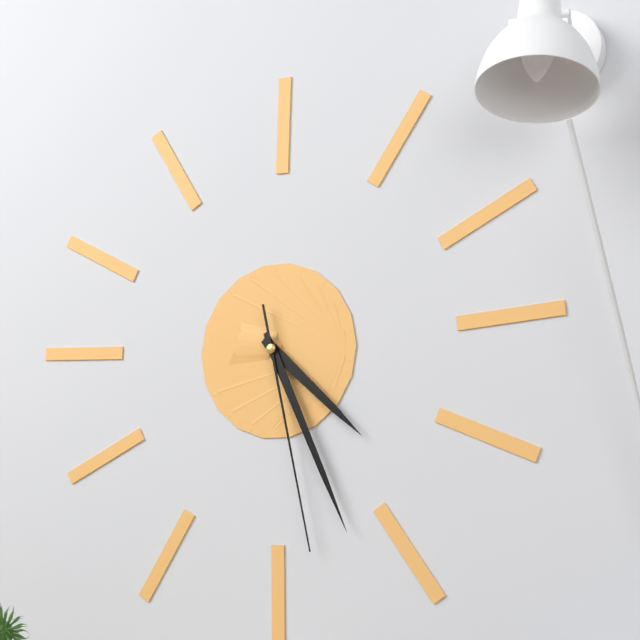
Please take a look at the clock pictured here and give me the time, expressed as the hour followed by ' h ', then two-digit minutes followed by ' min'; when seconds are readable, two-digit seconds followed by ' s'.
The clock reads 4 h 26 min 28 s
